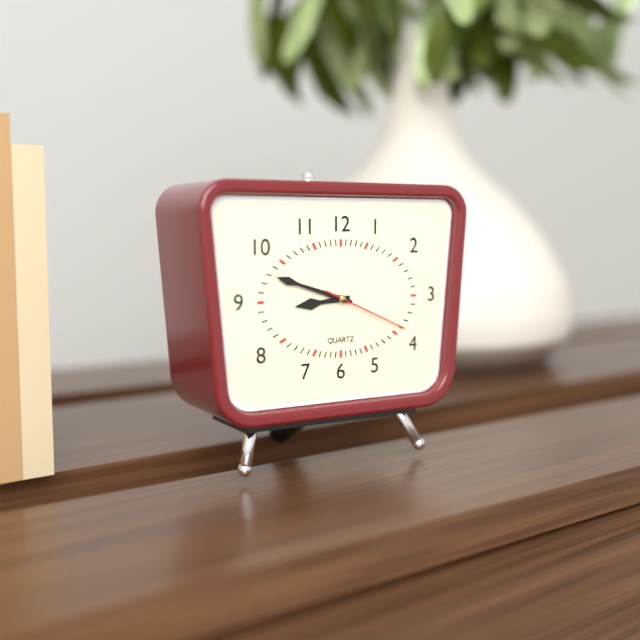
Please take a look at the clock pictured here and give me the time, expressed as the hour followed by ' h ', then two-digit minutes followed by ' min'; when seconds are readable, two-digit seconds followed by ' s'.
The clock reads 8 h 48 min 19 s
